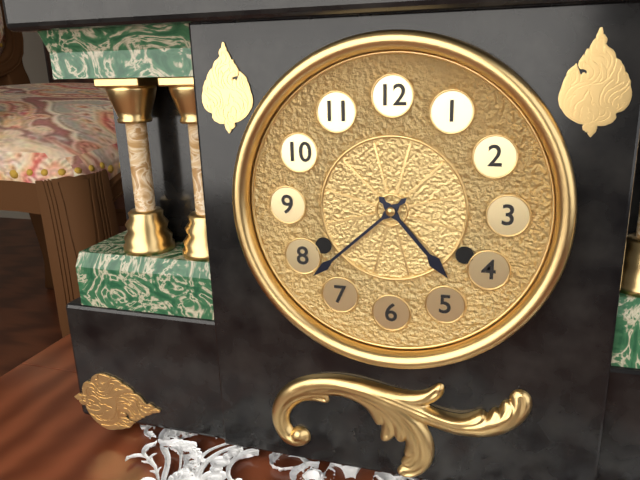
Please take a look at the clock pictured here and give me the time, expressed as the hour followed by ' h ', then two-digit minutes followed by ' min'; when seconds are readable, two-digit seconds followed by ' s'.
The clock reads 4 h 38 min
